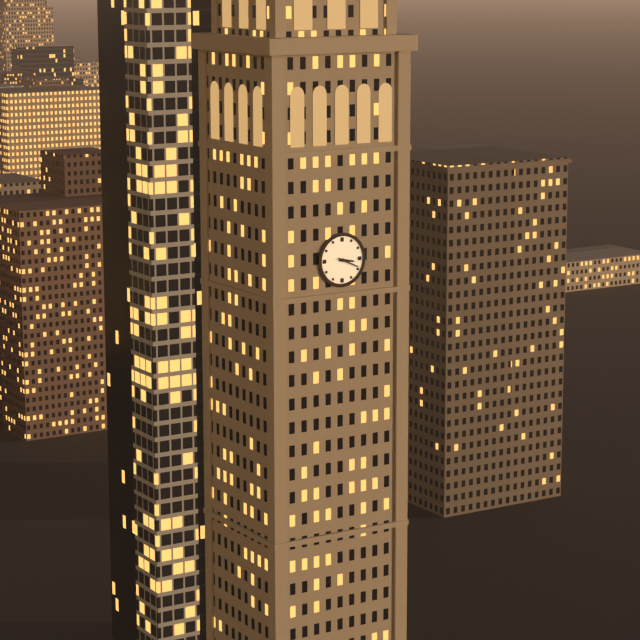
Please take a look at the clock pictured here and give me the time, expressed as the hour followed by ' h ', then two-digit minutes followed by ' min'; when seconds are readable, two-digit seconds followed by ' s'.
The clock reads 3 h 19 min
